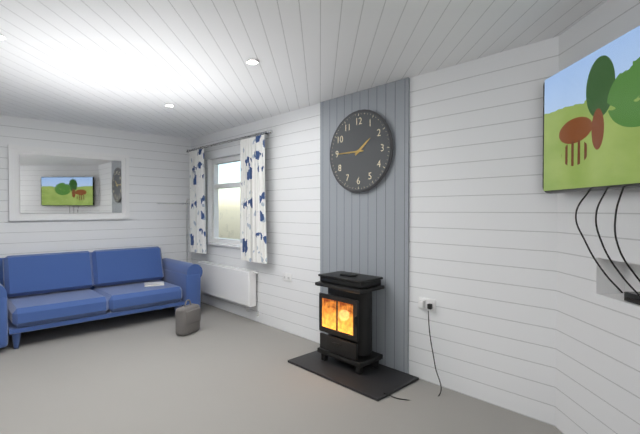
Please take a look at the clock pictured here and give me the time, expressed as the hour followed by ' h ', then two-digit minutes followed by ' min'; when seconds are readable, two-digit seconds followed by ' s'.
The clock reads 1 h 45 min
